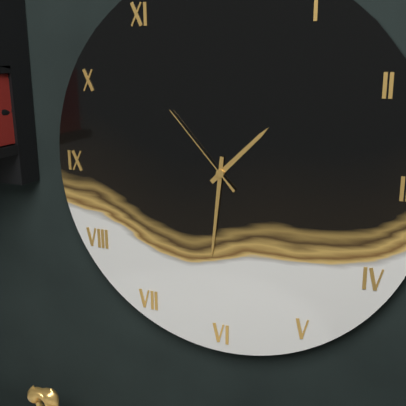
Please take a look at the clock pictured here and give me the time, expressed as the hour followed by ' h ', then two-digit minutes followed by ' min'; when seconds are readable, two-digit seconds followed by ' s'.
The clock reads 1 h 31 min 53 s
